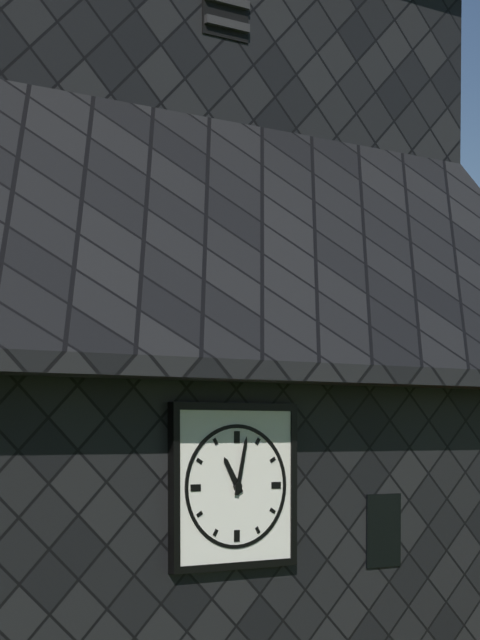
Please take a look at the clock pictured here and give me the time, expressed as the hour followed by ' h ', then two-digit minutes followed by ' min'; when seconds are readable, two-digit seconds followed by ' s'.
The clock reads 11 h 02 min
